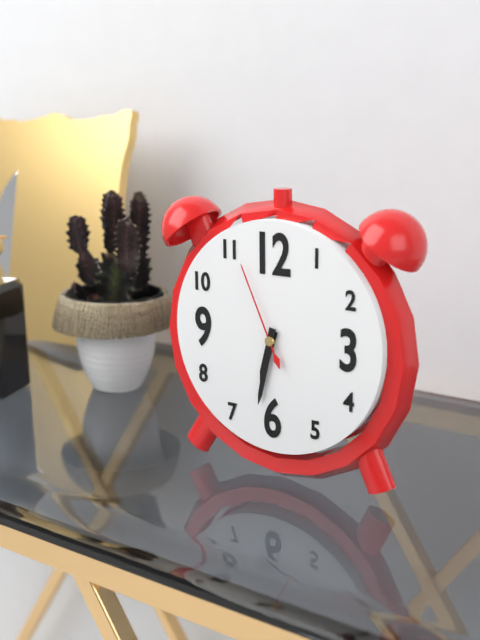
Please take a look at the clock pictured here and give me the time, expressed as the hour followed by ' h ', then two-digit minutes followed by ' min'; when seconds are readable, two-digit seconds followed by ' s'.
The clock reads 6 h 32 min 56 s
